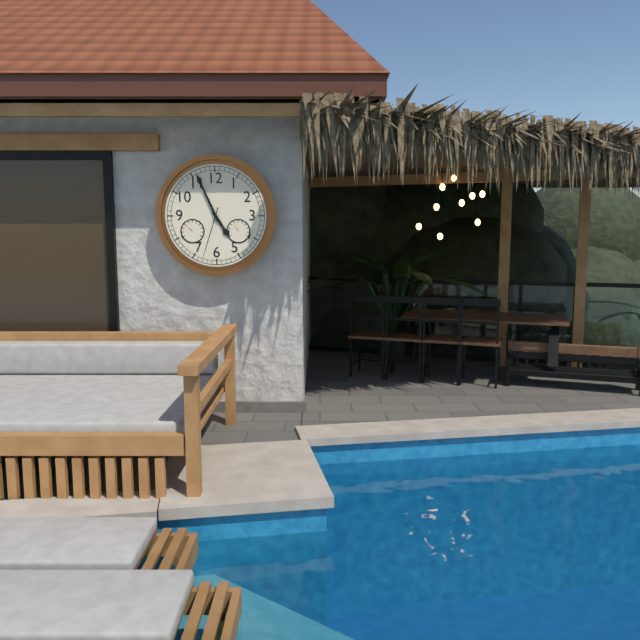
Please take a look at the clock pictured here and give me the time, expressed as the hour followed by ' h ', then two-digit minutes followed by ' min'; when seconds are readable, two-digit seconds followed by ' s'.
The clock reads 4 h 56 min 33 s
